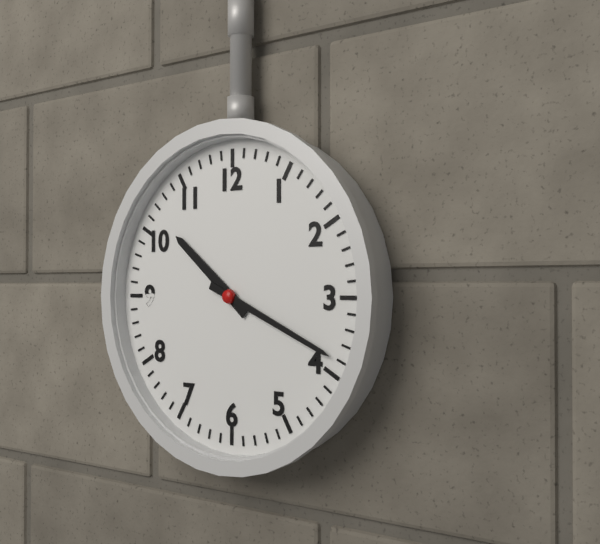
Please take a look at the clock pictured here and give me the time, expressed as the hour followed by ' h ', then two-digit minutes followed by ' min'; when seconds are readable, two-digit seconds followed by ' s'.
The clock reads 10 h 19 min
